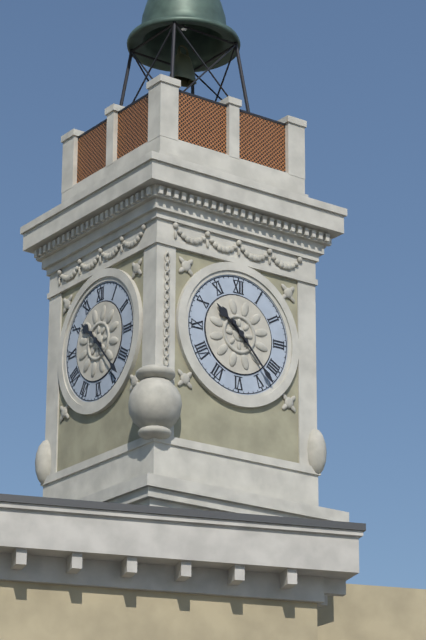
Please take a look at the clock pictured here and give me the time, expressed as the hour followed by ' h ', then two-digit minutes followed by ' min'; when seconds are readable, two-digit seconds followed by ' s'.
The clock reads 10 h 23 min
